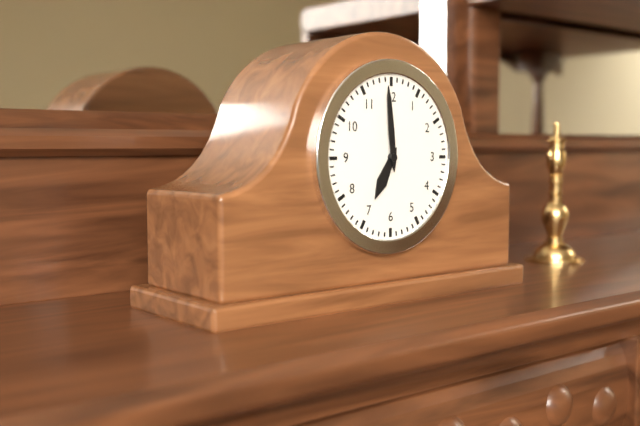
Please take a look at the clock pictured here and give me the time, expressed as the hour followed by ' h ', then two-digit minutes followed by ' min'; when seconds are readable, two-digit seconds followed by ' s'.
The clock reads 6 h 59 min
